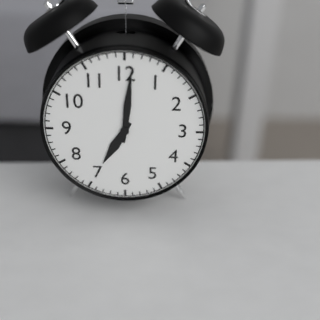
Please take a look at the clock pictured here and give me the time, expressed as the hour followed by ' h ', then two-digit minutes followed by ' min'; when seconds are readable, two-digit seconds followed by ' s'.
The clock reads 7 h 01 min
